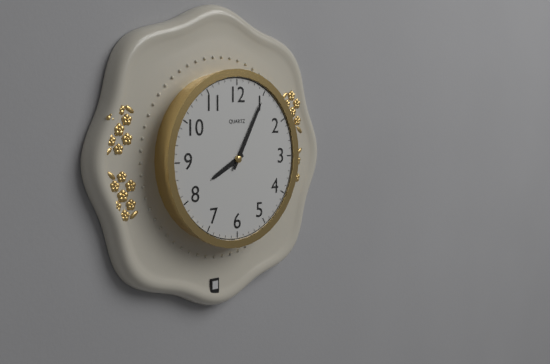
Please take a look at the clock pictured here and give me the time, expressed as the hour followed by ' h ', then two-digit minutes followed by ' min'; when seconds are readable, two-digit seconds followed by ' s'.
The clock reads 8 h 05 min
